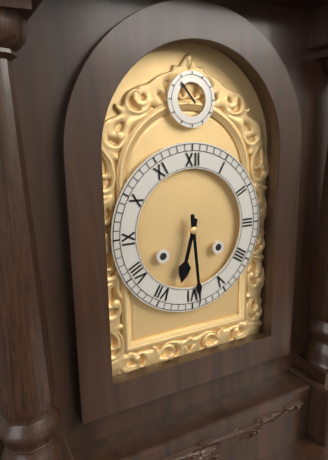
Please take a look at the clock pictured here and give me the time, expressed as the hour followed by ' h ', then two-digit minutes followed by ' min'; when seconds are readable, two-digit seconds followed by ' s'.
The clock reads 6 h 29 min
